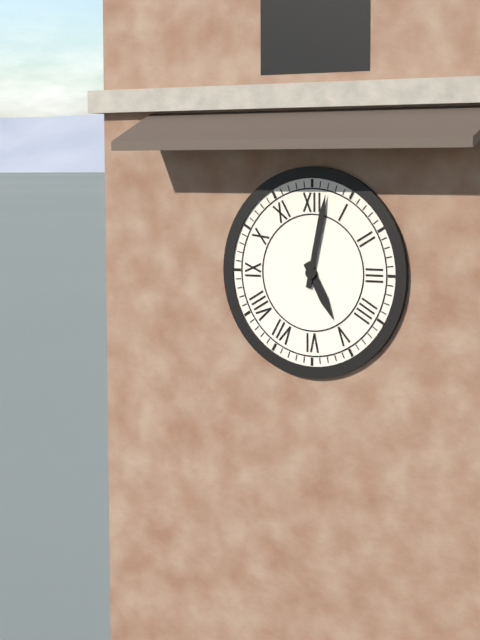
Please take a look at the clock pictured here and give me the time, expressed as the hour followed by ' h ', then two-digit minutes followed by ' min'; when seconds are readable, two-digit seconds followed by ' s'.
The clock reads 5 h 02 min
